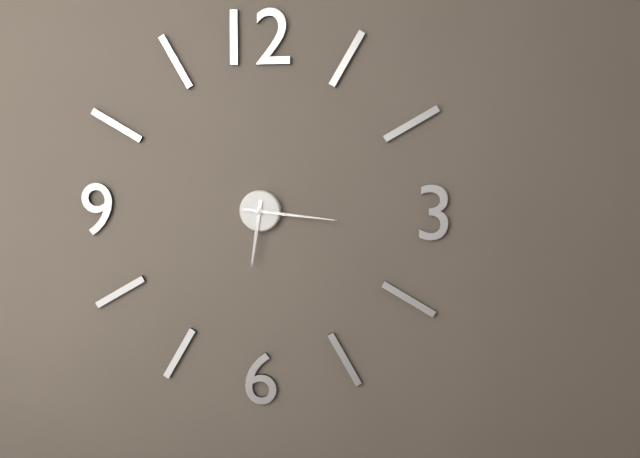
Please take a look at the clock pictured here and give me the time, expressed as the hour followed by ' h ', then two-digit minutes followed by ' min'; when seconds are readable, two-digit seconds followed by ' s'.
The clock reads 6 h 16 min
